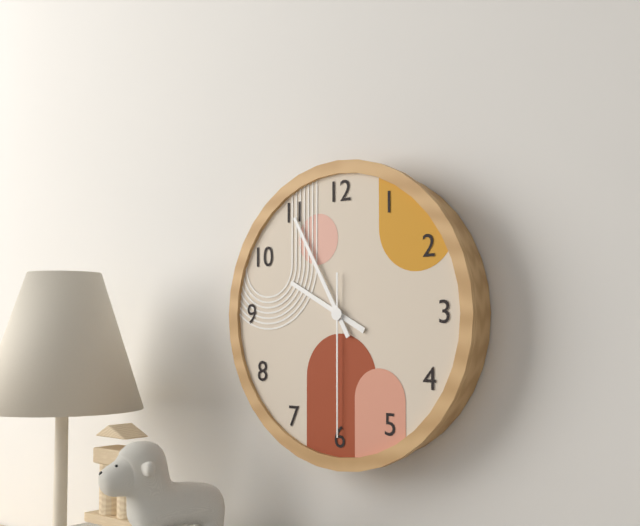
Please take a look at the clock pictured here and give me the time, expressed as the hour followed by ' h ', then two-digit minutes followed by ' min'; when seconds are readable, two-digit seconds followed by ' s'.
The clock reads 9 h 55 min 30 s
